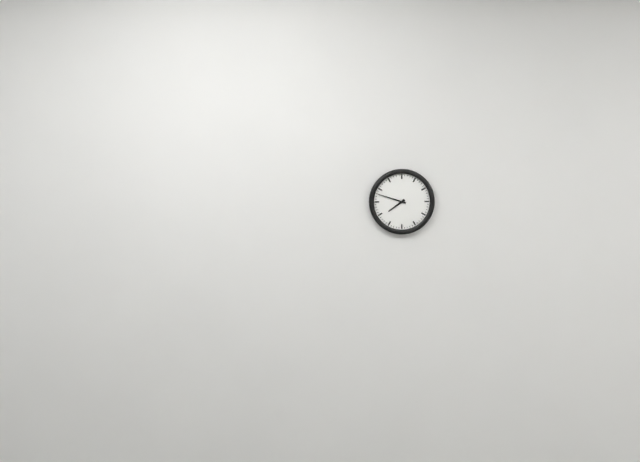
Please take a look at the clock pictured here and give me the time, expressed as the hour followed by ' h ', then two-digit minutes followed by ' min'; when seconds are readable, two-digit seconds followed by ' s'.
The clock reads 7 h 48 min
